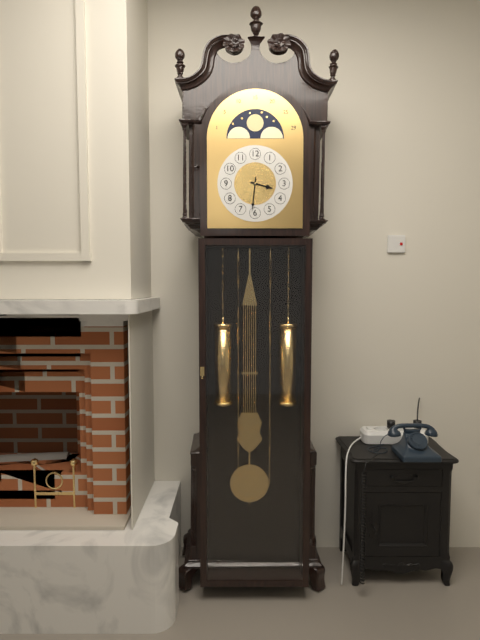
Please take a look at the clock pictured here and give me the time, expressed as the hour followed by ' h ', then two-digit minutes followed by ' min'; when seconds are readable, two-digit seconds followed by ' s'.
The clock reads 3 h 31 min
